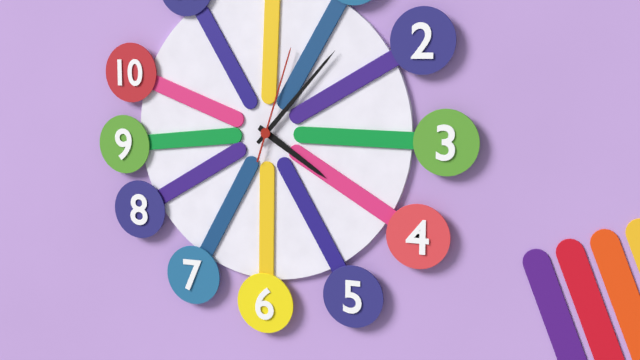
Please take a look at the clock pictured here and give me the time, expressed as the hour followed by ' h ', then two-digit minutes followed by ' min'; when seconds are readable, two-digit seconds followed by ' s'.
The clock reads 4 h 07 min 03 s
